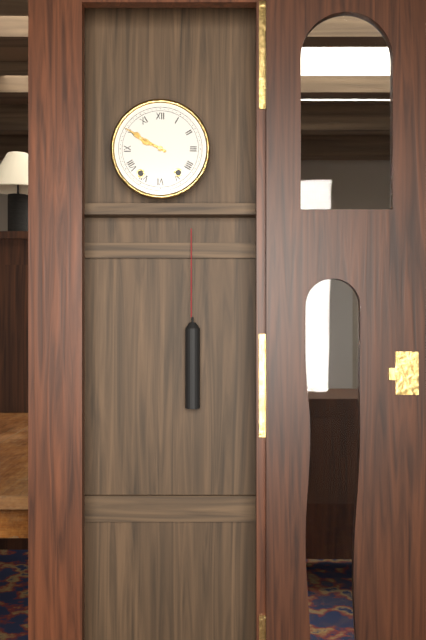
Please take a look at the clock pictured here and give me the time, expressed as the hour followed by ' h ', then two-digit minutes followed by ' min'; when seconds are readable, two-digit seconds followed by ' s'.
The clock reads 9 h 50 min
